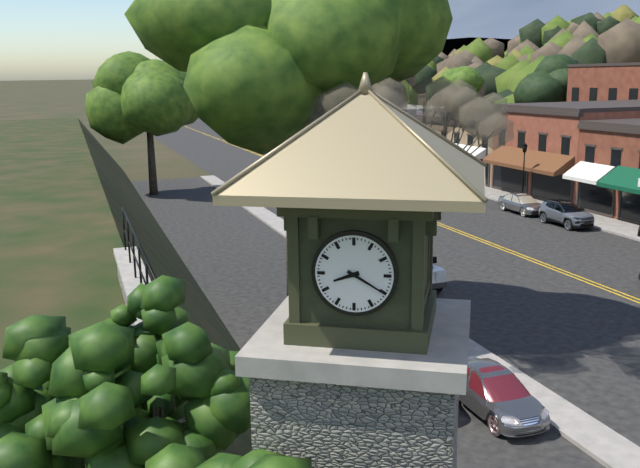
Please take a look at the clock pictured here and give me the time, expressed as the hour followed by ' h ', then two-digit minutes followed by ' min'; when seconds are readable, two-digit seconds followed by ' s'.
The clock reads 8 h 20 min
